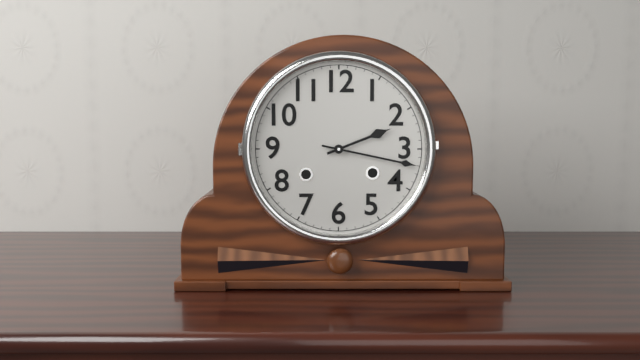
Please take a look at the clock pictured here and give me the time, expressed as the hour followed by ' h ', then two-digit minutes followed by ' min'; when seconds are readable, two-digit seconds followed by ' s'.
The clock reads 2 h 17 min
